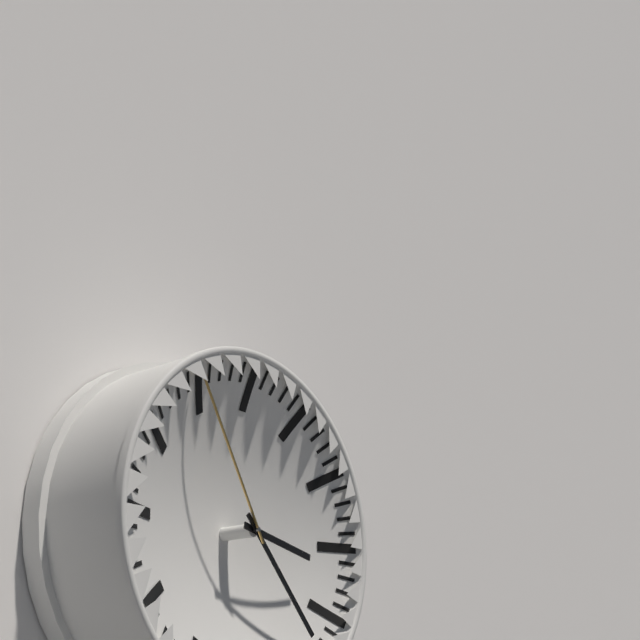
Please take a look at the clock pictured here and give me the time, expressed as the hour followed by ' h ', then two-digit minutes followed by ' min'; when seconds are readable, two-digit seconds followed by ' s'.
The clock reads 3 h 23 min 55 s
